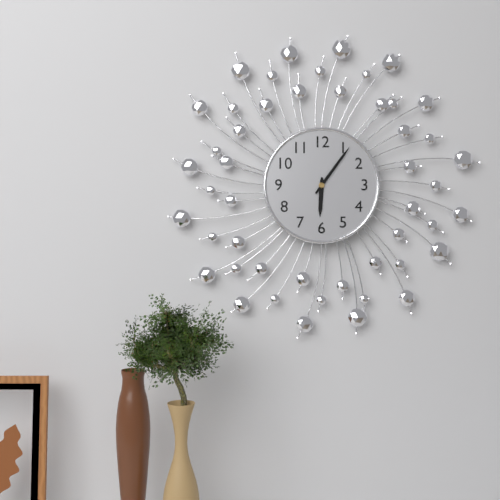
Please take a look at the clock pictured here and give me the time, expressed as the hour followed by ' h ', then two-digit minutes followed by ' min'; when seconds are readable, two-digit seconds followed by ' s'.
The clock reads 6 h 06 min
